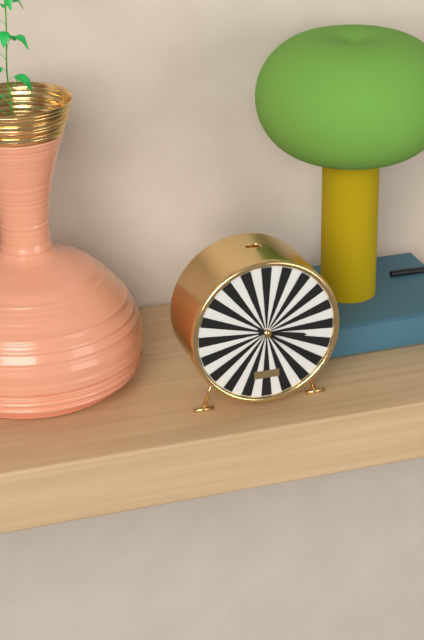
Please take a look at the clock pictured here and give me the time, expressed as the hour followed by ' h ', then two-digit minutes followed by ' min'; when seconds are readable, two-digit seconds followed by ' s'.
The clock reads 3 h 21 min
